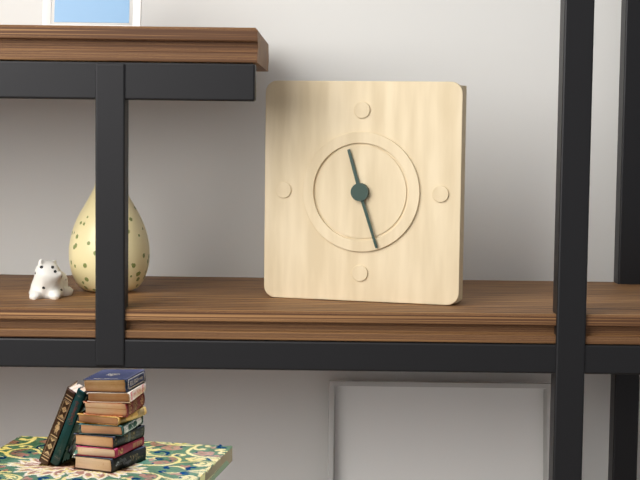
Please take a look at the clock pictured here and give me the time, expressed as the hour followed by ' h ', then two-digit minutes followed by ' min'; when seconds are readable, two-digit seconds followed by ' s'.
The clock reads 11 h 27 min
